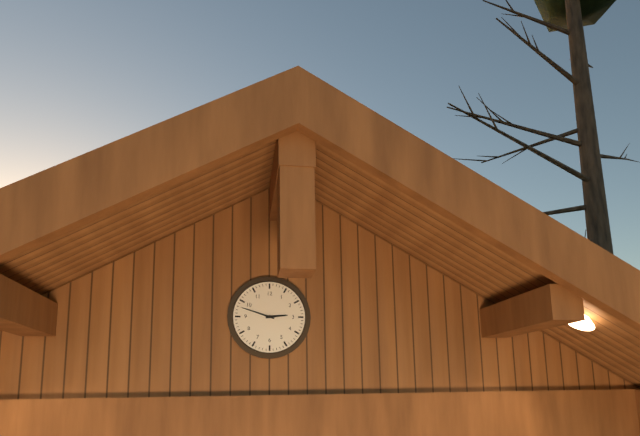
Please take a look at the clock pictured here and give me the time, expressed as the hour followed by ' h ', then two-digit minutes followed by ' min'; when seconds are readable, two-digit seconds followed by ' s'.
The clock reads 2 h 48 min
